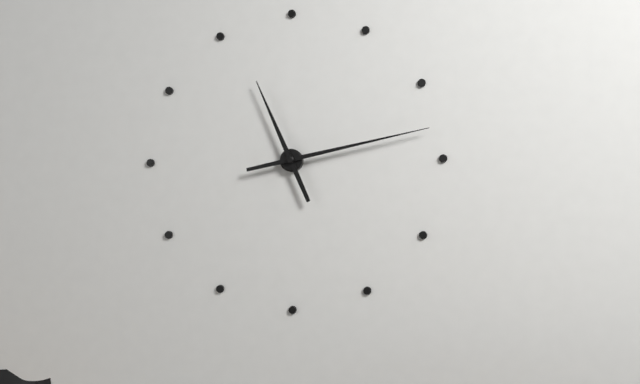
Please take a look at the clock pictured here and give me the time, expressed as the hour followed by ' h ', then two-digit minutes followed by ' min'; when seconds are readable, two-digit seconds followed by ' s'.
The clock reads 11 h 13 min
